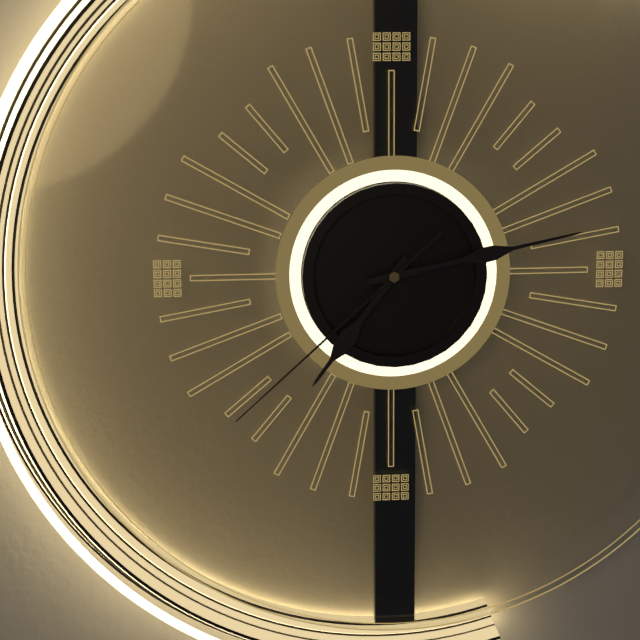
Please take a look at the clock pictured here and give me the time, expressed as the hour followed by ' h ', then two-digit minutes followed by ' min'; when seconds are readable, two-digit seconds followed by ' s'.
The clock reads 7 h 13 min 38 s
